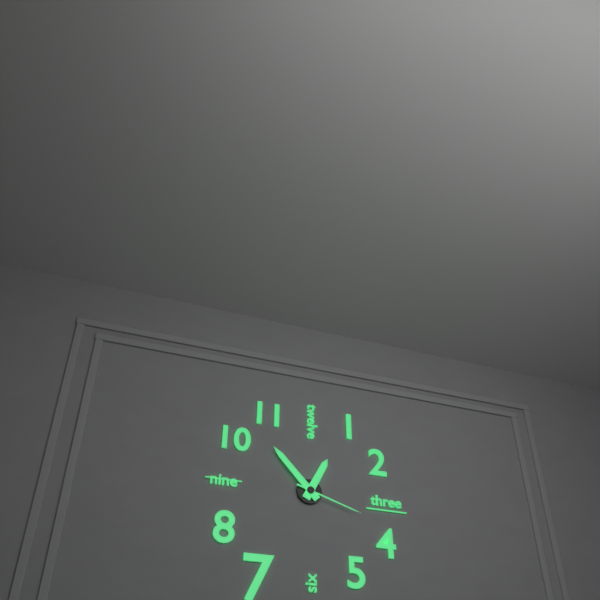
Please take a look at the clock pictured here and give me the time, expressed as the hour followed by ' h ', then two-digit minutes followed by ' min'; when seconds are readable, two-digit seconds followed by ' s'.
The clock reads 12 h 53 min 18 s
